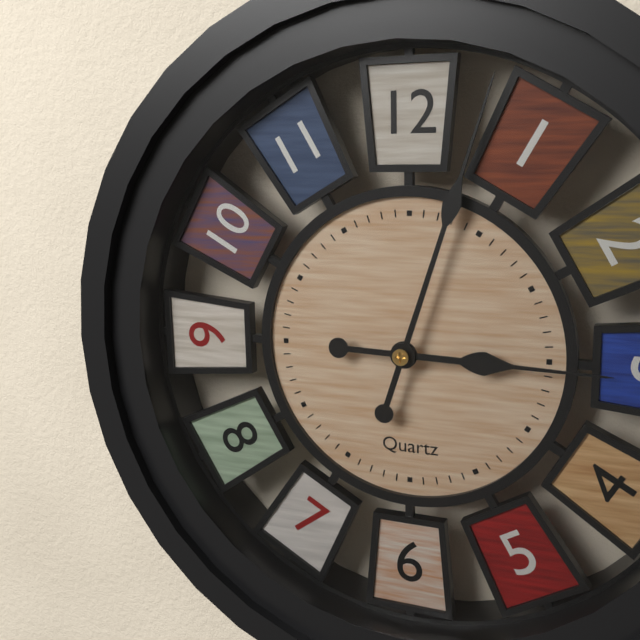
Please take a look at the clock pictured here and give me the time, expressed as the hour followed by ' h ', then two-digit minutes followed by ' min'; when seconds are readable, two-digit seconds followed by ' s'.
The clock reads 3 h 03 min
